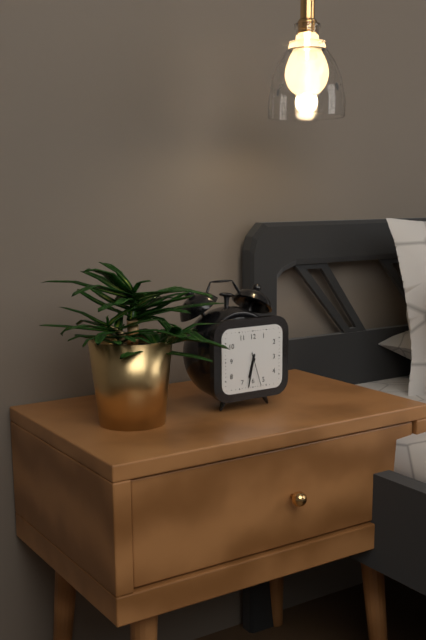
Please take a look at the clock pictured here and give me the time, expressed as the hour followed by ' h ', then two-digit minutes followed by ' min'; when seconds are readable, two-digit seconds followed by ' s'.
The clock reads 6 h 32 min
